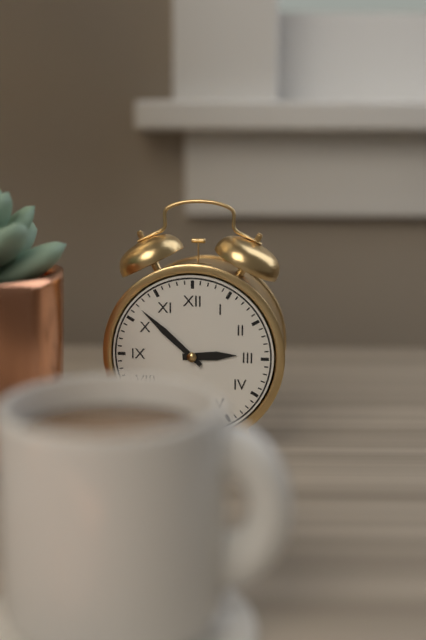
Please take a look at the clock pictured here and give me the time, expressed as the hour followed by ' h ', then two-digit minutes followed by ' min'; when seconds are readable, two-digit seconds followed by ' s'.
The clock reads 2 h 52 min
